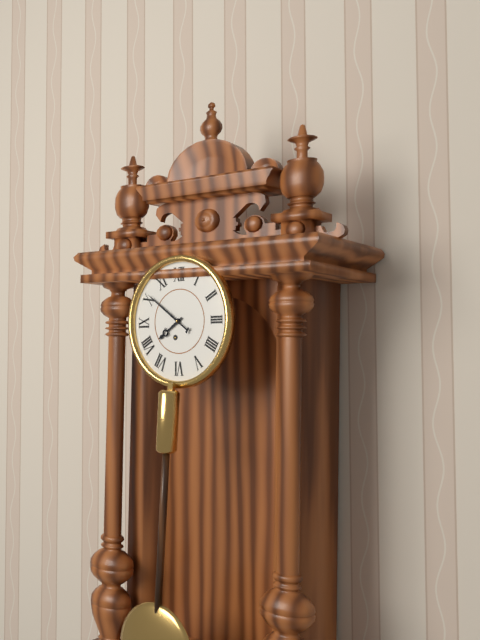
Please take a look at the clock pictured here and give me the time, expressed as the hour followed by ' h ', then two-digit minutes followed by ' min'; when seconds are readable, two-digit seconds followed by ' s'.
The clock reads 7 h 51 min
